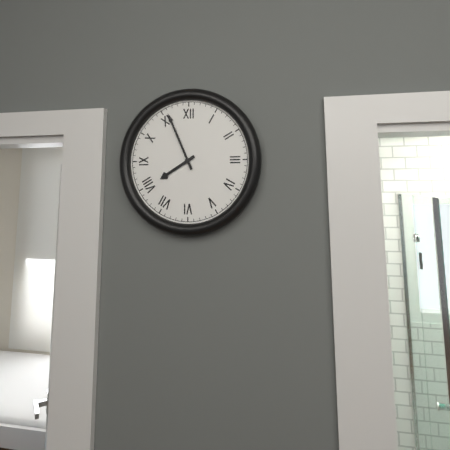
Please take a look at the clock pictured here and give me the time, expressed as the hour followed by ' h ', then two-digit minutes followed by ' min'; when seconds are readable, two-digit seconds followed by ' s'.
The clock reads 7 h 56 min
